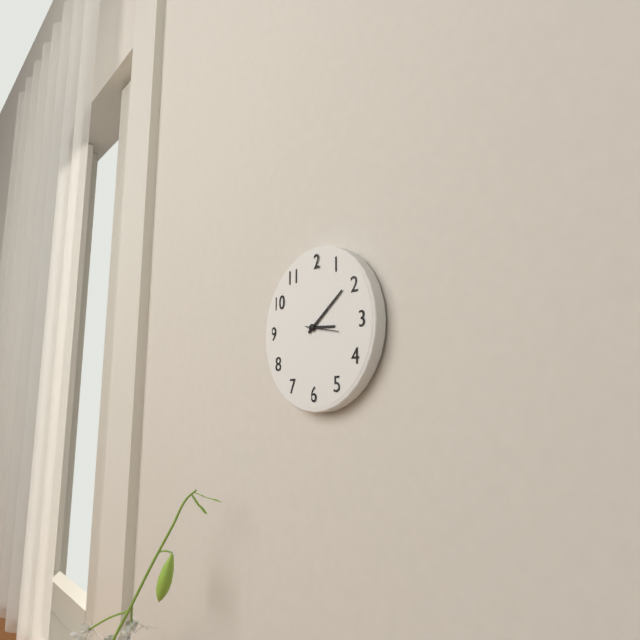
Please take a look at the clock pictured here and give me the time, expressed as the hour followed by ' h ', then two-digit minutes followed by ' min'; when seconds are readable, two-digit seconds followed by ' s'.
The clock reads 3 h 09 min
